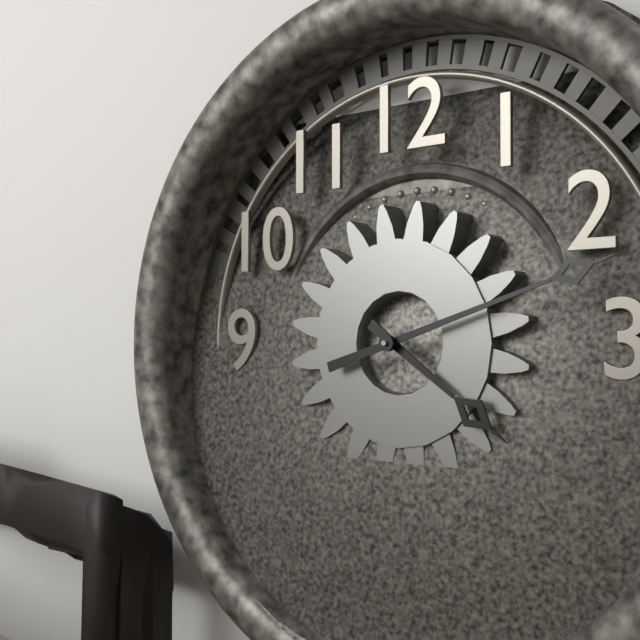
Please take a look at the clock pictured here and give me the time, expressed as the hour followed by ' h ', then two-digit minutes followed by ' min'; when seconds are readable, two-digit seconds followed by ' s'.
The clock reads 4 h 12 min
